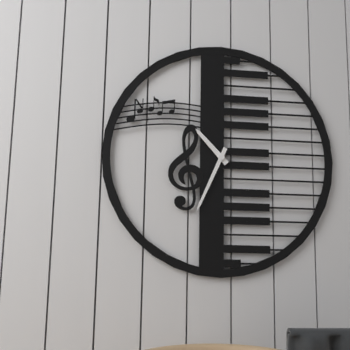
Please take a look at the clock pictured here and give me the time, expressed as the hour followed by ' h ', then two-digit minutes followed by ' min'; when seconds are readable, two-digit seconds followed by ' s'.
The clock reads 10 h 34 min
